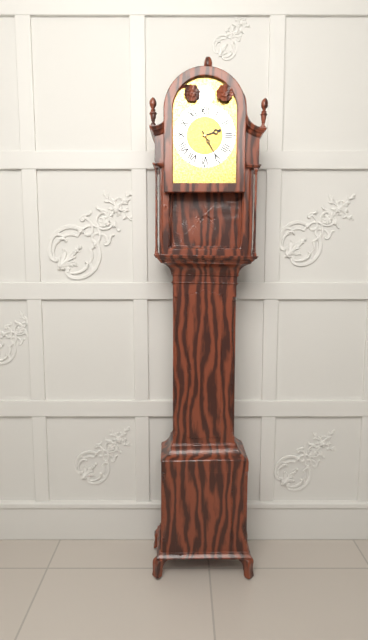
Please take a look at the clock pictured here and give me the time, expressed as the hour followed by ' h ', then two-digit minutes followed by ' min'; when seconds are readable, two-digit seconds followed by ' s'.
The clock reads 2 h 25 min
